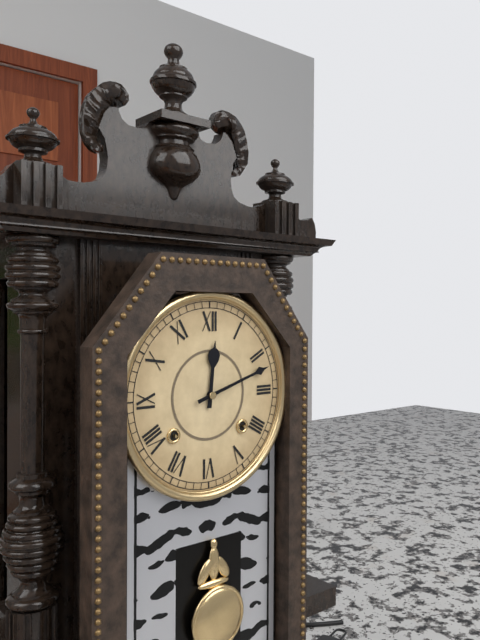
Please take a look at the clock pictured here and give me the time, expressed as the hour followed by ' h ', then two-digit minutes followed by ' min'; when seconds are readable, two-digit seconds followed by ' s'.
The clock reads 12 h 12 min
